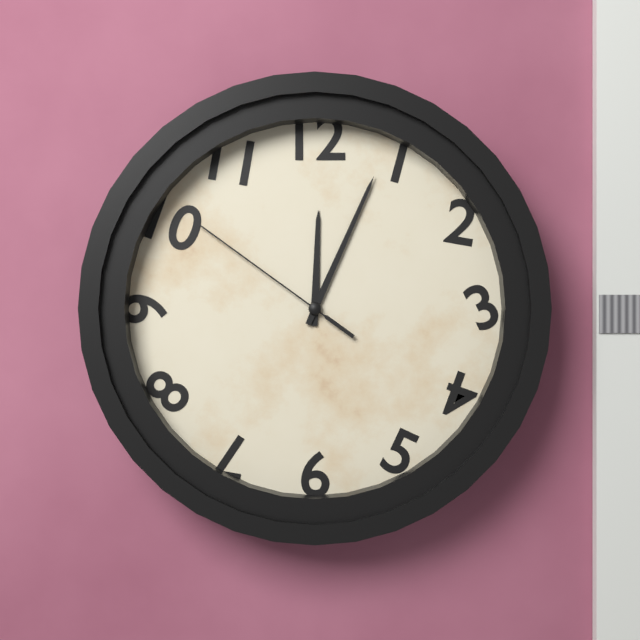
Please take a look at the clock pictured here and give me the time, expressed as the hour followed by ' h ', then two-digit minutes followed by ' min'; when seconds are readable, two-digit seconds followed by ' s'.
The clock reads 12 h 04 min 51 s
